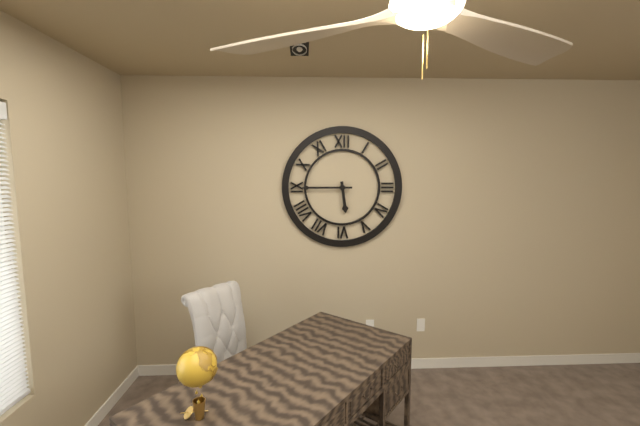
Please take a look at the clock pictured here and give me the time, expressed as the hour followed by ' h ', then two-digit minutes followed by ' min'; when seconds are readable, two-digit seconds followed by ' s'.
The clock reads 5 h 45 min
